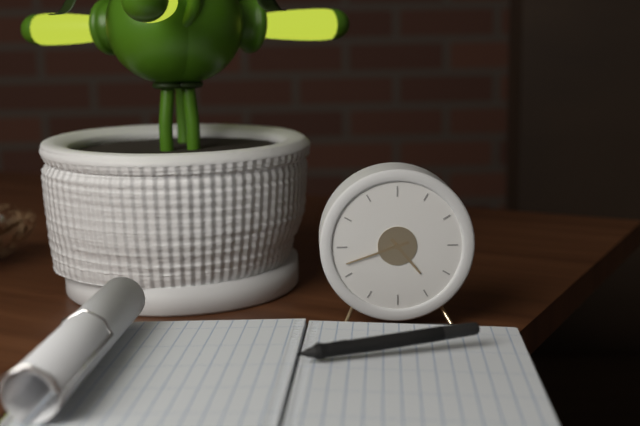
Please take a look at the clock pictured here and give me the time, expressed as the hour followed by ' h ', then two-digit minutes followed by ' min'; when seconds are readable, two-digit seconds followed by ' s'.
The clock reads 4 h 42 min
